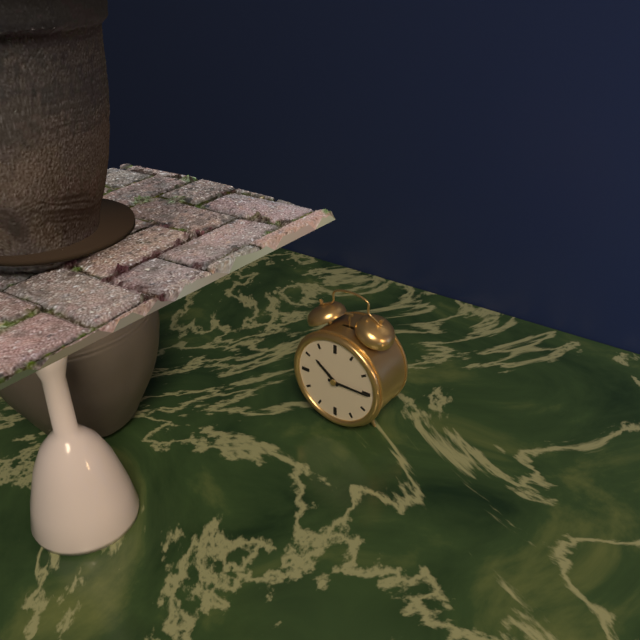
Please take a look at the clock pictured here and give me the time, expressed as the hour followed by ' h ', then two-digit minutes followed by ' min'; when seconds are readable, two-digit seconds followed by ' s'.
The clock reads 10 h 15 min
